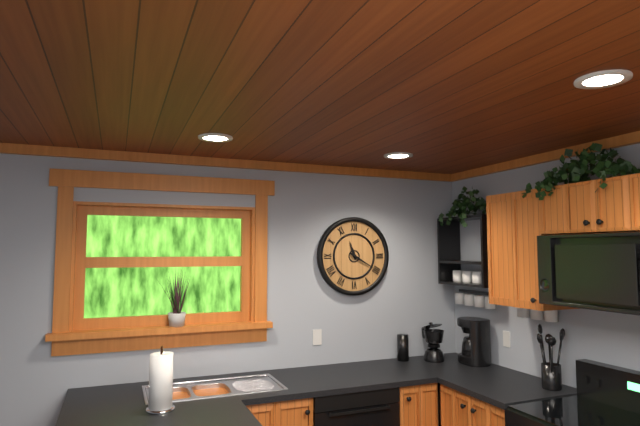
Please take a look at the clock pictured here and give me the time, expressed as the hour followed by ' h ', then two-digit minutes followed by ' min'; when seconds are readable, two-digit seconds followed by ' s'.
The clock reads 11 h 20 min
